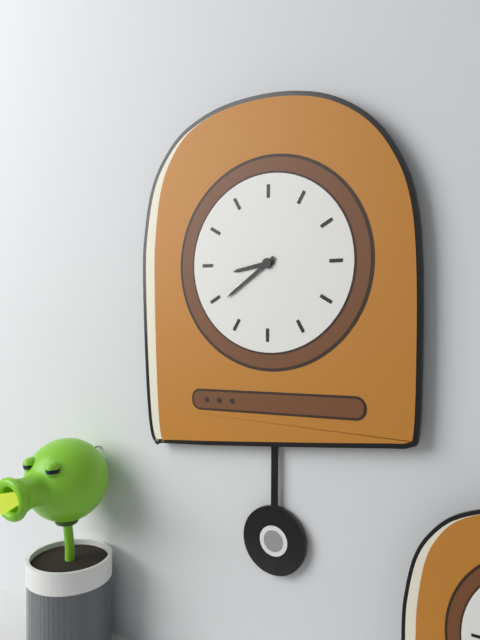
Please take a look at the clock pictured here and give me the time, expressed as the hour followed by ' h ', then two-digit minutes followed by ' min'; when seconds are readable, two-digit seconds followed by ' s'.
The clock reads 8 h 39 min
